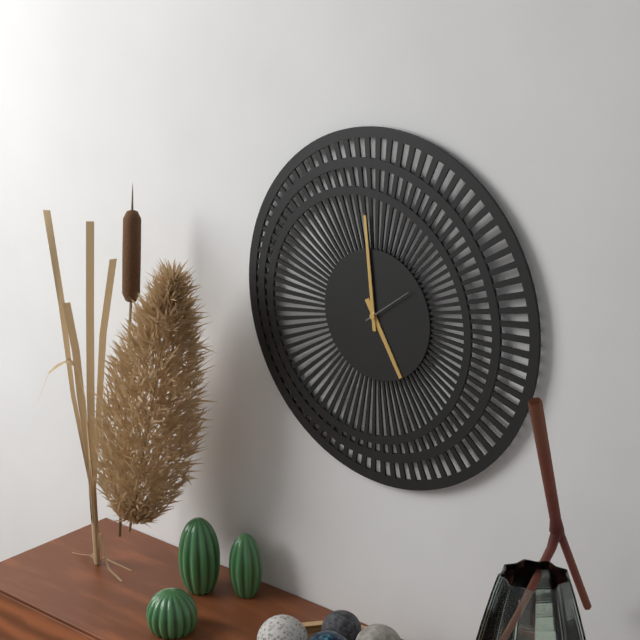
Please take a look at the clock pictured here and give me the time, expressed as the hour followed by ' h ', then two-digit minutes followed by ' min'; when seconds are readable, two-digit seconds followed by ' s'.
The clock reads 4 h 59 min
